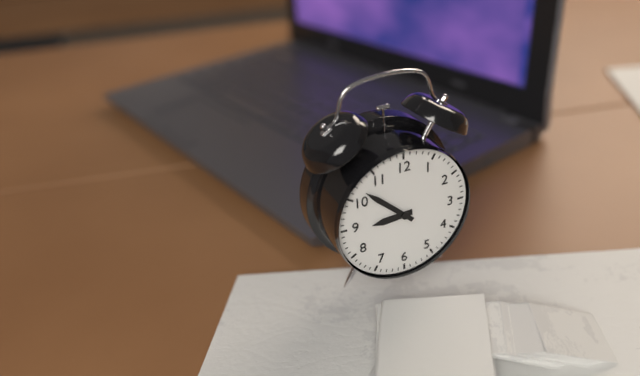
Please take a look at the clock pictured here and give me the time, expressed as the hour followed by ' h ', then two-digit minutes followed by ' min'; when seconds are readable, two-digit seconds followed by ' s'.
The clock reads 8 h 52 min
